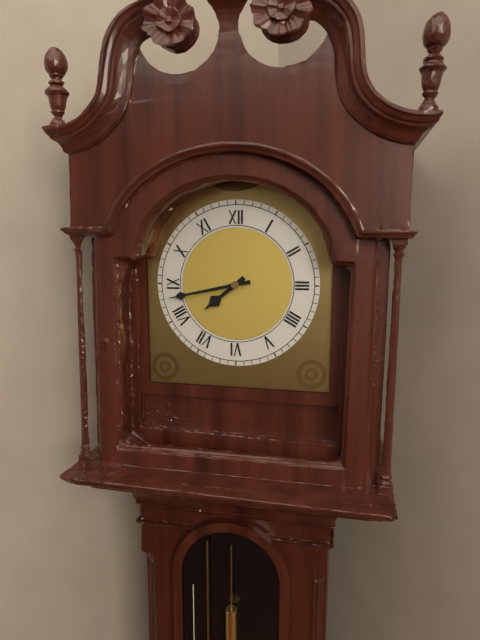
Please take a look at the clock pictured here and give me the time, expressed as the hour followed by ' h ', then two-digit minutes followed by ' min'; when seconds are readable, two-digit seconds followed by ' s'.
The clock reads 7 h 43 min
